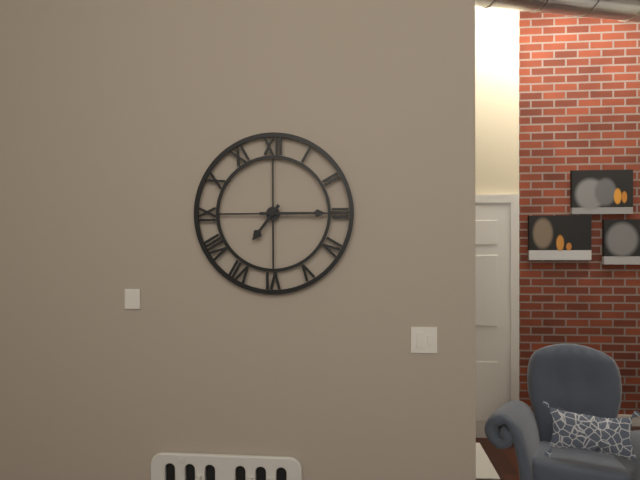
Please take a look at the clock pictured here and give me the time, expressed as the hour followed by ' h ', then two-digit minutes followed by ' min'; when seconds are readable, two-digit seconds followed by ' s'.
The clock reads 7 h 15 min
